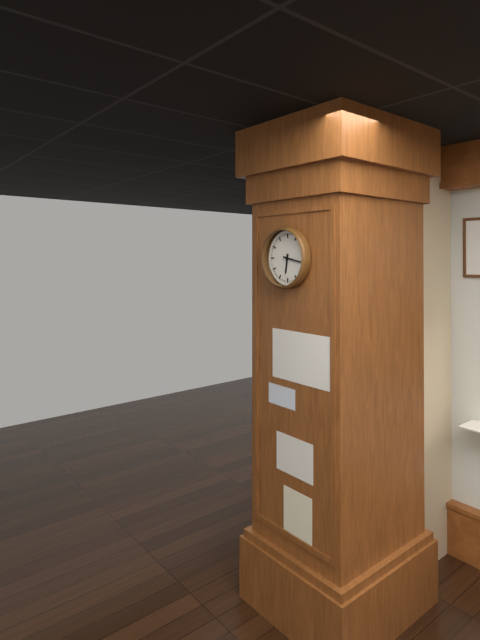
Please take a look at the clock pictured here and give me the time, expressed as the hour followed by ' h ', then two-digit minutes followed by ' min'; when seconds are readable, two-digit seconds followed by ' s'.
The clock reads 6 h 17 min
